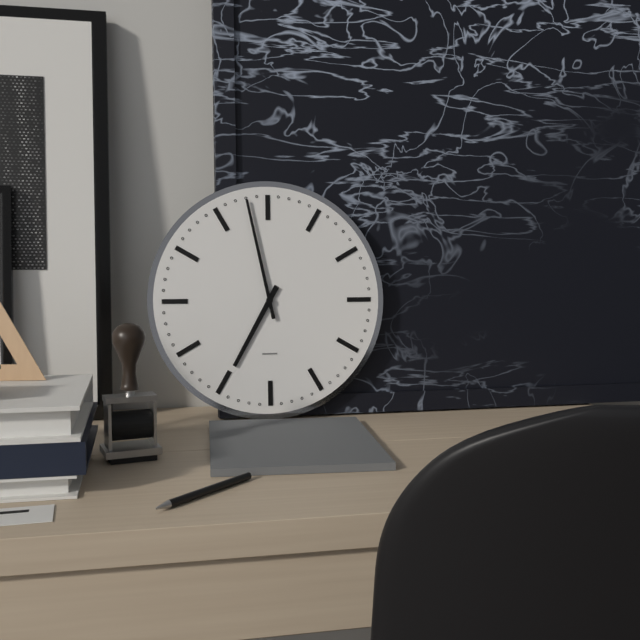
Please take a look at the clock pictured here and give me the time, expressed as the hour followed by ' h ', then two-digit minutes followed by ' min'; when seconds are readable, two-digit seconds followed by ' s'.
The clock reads 6 h 58 min
